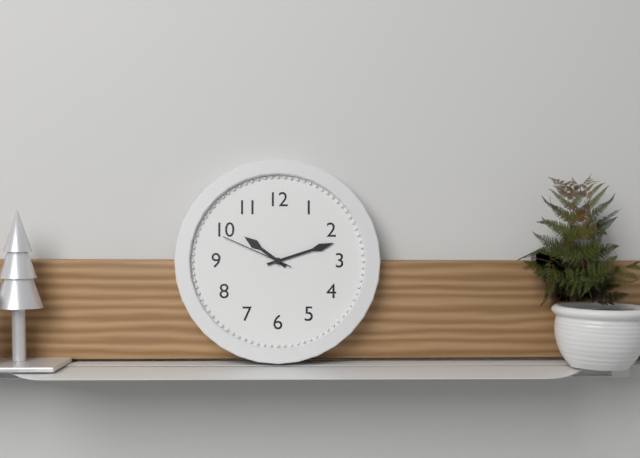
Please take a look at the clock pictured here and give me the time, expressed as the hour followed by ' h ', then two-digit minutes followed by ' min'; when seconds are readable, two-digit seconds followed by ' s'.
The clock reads 10 h 12 min 49 s
